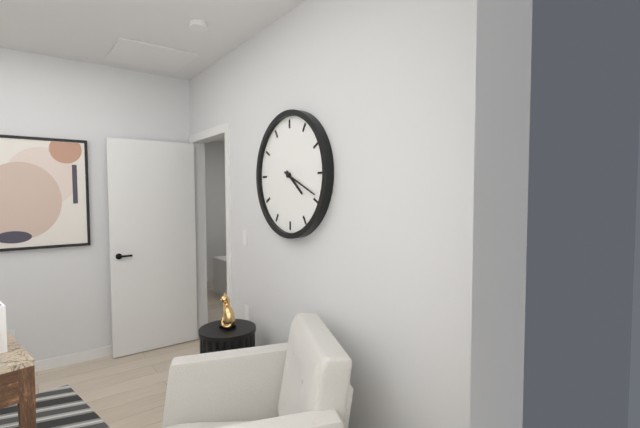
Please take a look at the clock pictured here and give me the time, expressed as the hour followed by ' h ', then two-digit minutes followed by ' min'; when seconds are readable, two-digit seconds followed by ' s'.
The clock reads 4 h 19 min
